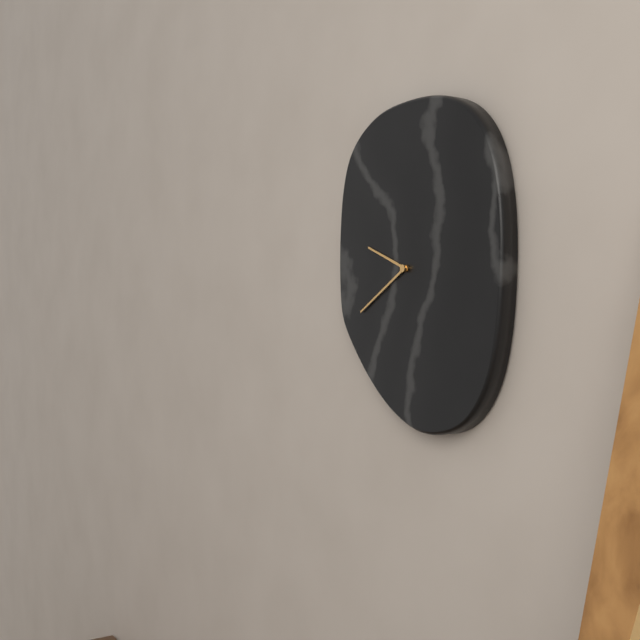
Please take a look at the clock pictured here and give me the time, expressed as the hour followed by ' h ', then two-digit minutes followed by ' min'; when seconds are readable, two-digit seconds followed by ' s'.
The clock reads 9 h 40 min
